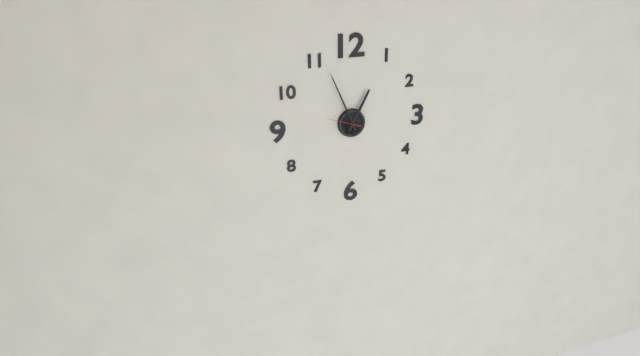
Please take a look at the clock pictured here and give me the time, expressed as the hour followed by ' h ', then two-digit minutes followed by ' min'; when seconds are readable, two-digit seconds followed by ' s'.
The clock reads 12 h 56 min
